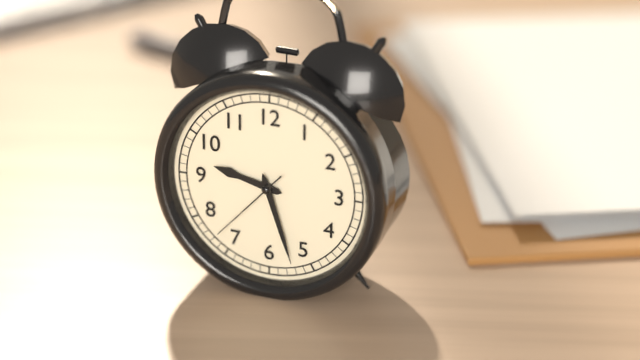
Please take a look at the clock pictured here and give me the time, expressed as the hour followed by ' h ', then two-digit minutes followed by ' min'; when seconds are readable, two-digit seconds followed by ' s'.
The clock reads 9 h 27 min 37 s
